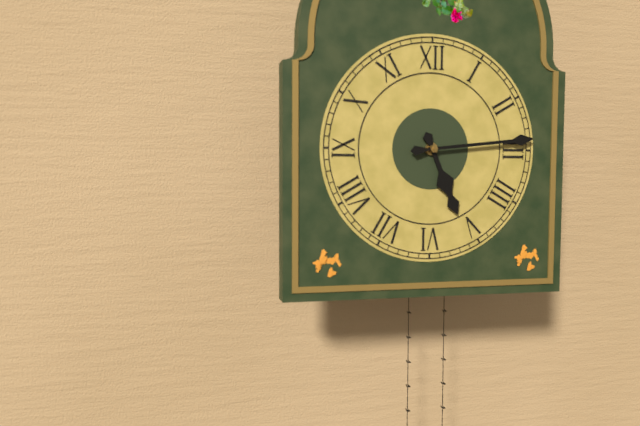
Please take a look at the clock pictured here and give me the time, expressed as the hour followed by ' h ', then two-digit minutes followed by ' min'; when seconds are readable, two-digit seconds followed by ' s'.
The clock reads 5 h 14 min
